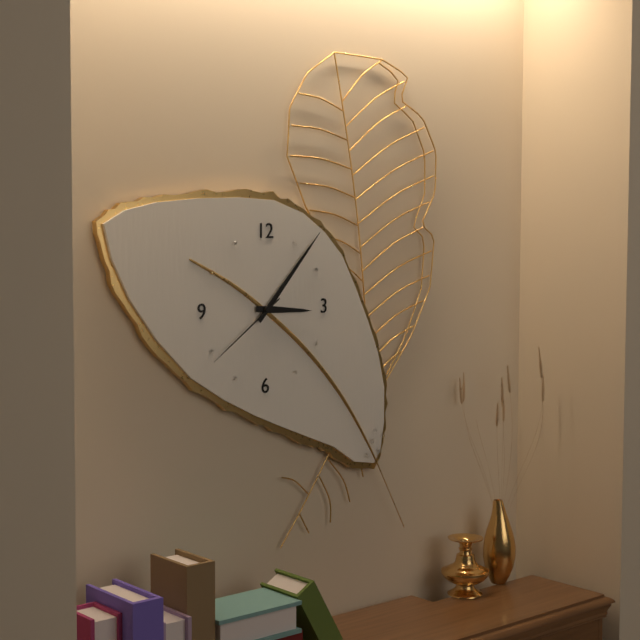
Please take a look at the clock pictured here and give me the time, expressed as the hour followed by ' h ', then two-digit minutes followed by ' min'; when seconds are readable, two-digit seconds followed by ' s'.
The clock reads 3 h 07 min 39 s
